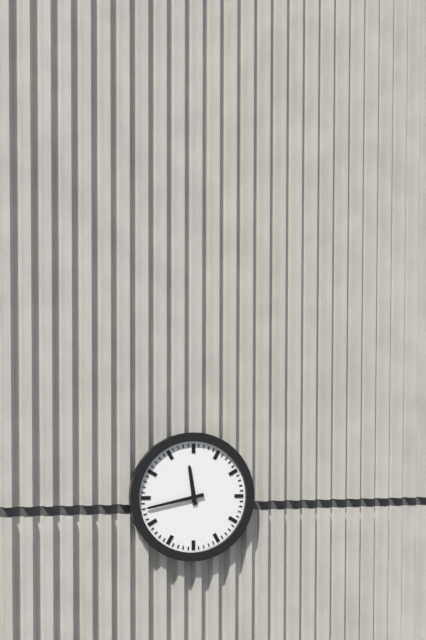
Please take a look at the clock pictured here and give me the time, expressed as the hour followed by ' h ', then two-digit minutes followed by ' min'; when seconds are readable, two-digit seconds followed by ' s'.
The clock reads 11 h 43 min
